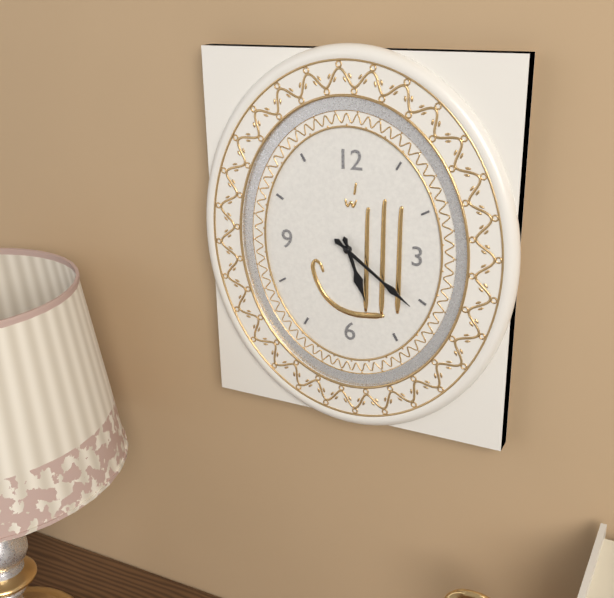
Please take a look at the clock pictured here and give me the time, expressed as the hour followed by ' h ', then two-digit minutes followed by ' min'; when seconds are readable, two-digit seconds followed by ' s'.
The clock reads 5 h 21 min
